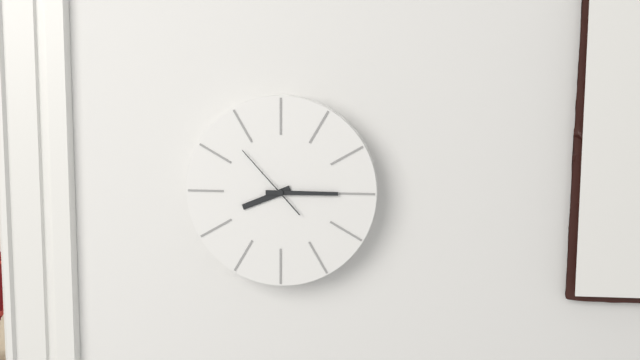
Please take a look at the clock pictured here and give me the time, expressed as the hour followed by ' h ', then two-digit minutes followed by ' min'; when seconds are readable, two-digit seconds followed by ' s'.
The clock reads 8 h 15 min 53 s
